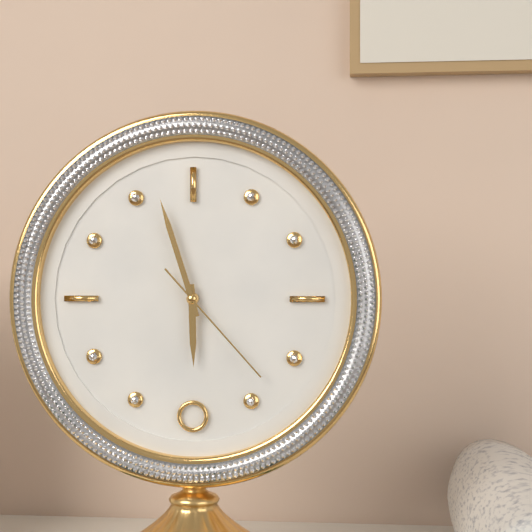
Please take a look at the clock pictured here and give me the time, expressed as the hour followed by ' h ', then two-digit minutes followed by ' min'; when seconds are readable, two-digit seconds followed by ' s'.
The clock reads 5 h 57 min 23 s
